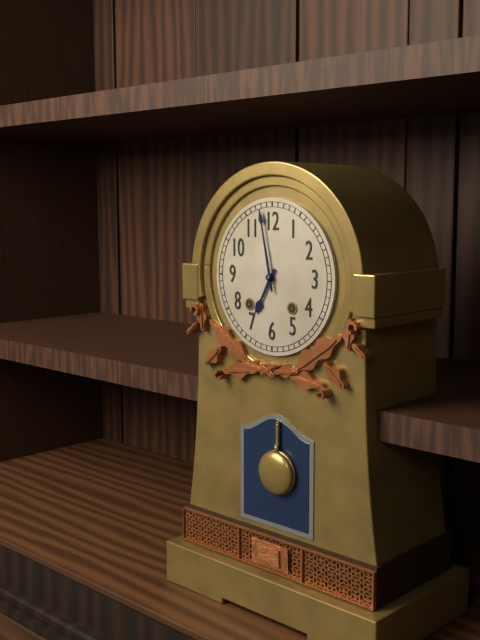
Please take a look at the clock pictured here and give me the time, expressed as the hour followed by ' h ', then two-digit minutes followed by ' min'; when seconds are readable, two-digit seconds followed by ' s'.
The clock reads 6 h 58 min
